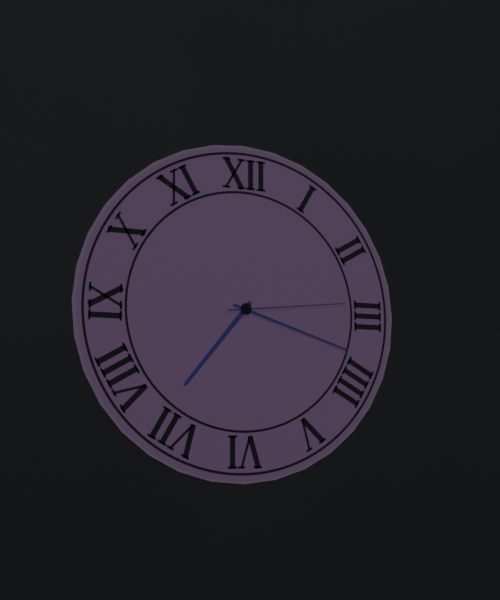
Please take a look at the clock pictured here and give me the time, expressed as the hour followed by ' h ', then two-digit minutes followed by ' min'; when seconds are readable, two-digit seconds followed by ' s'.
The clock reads 7 h 18 min 14 s
